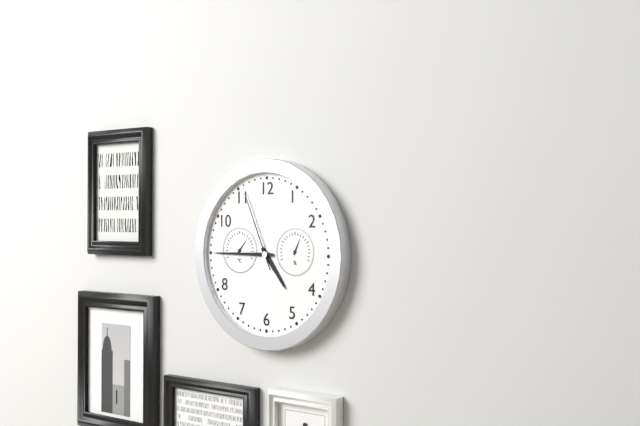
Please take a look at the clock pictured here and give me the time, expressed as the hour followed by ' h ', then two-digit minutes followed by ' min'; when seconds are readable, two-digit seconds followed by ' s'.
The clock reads 4 h 45 min 56 s
